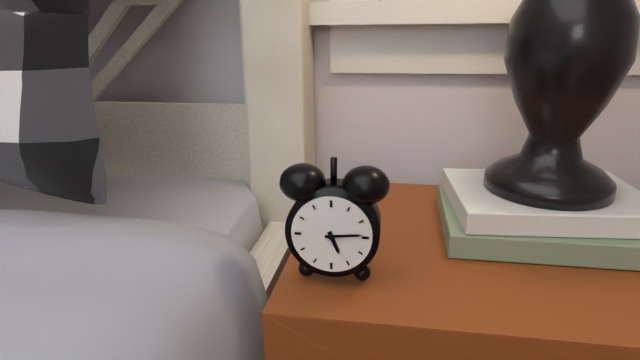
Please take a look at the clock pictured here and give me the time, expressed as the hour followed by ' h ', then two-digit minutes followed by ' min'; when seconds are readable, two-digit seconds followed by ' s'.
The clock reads 5 h 14 min
